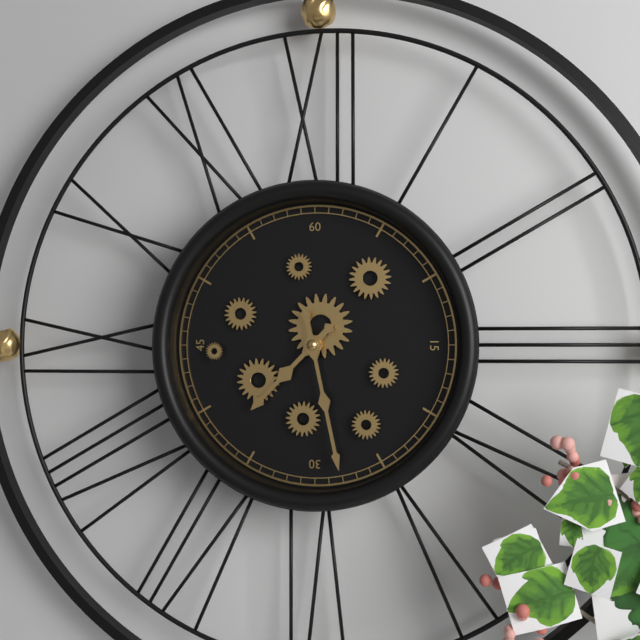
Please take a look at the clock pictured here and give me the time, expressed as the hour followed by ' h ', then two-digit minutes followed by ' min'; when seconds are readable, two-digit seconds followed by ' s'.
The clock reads 7 h 28 min
